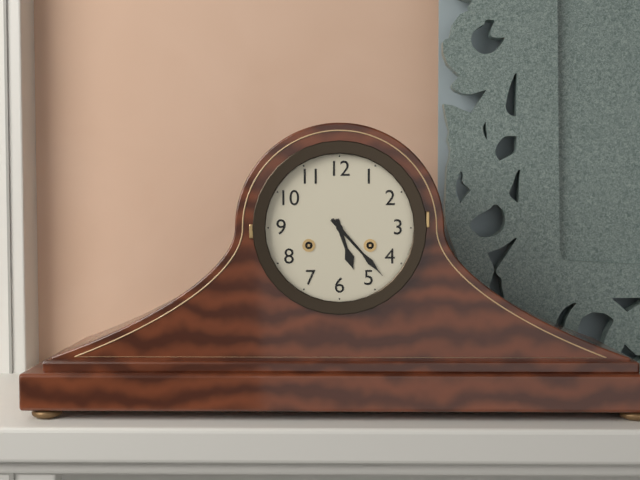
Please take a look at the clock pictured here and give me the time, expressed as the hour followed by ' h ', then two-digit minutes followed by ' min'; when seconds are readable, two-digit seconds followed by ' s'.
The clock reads 5 h 23 min
